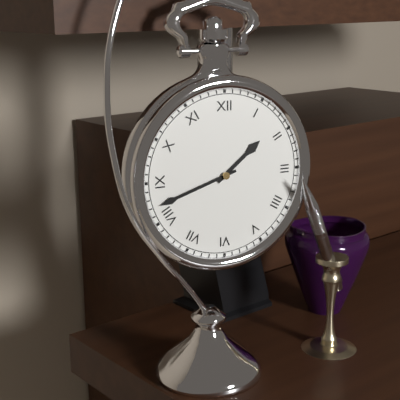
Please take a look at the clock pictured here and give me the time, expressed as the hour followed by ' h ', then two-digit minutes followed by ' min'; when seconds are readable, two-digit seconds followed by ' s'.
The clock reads 1 h 42 min
